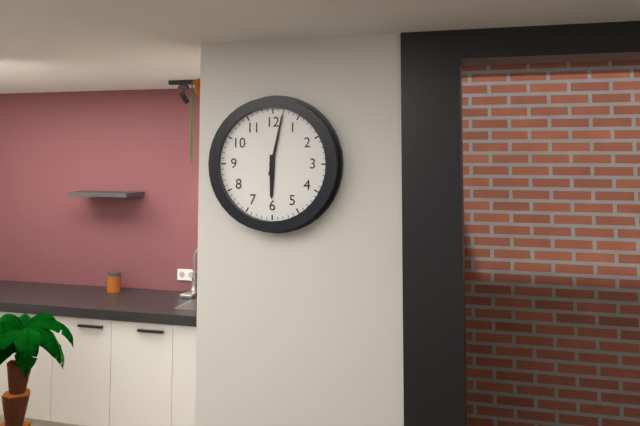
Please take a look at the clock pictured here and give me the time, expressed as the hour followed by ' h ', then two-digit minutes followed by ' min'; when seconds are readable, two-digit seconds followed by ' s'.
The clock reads 6 h 02 min
